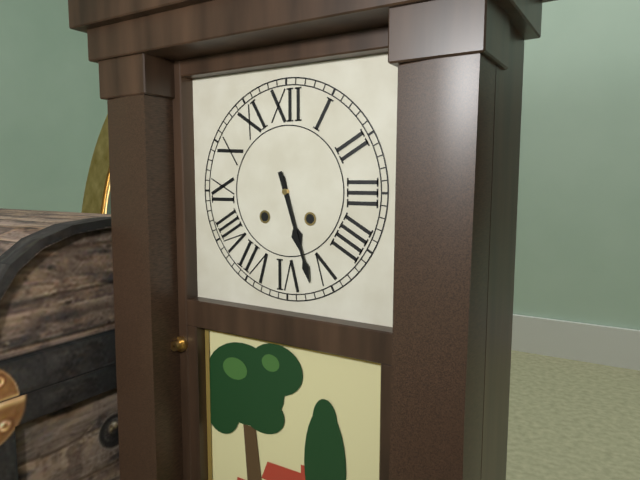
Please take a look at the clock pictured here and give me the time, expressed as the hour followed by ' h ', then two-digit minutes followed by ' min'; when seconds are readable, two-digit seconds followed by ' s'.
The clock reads 5 h 27 min
